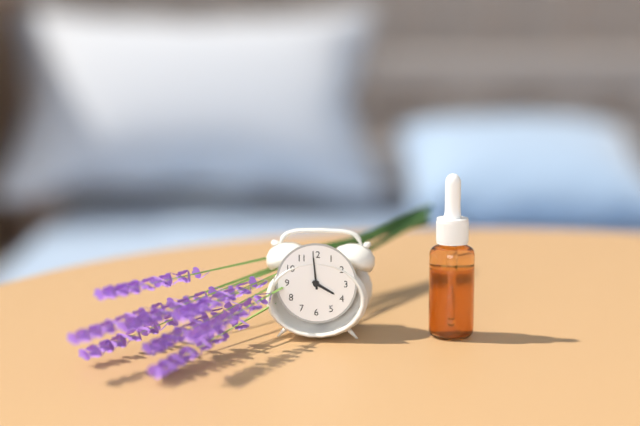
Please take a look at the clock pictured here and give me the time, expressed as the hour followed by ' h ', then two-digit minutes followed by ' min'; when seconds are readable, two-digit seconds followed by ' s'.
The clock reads 3 h 59 min
